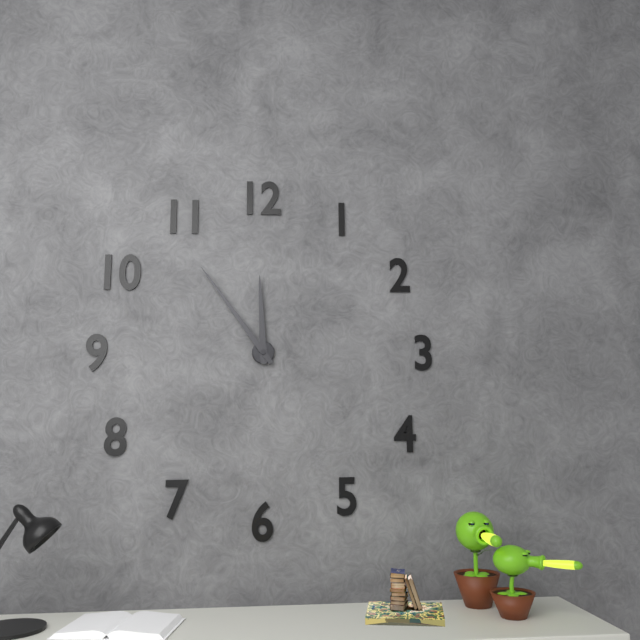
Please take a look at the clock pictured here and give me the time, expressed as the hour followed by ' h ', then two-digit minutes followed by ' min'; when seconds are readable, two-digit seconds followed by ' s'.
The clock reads 11 h 54 min
